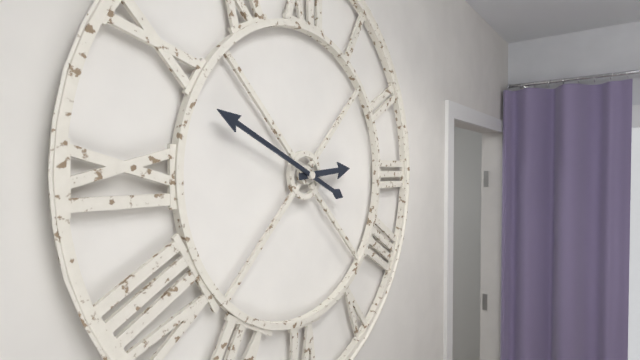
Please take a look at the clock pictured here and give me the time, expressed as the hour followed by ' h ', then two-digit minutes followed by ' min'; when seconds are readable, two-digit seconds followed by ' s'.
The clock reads 2 h 49 min
